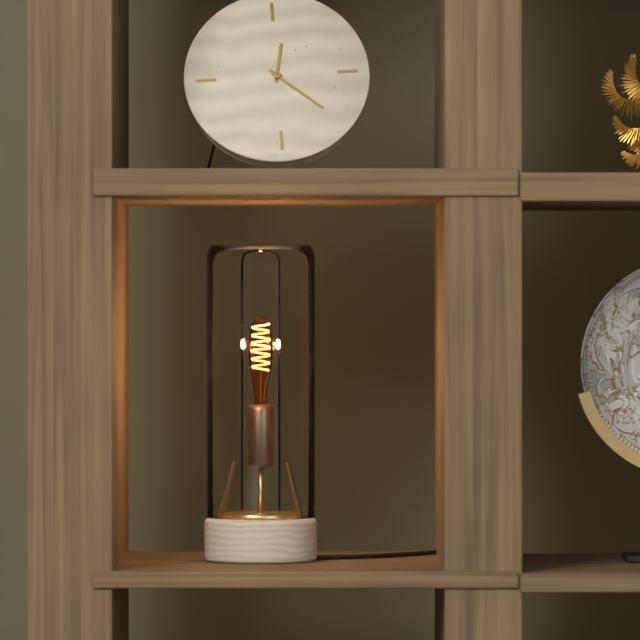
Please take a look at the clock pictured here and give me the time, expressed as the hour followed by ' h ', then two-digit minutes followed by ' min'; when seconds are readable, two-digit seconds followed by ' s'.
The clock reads 12 h 22 min
